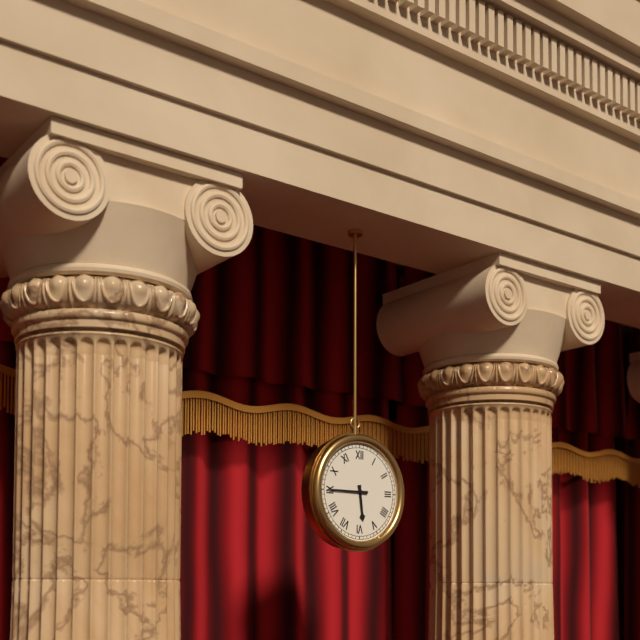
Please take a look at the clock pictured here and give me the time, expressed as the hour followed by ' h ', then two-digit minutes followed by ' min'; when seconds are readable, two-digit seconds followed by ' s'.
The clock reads 5 h 45 min
